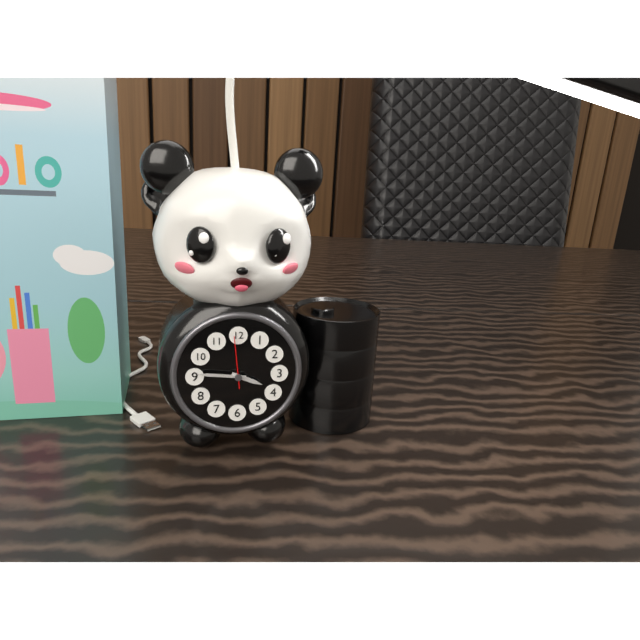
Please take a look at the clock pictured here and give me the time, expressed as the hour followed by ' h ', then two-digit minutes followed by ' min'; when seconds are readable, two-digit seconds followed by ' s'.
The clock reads 3 h 46 min 59 s
